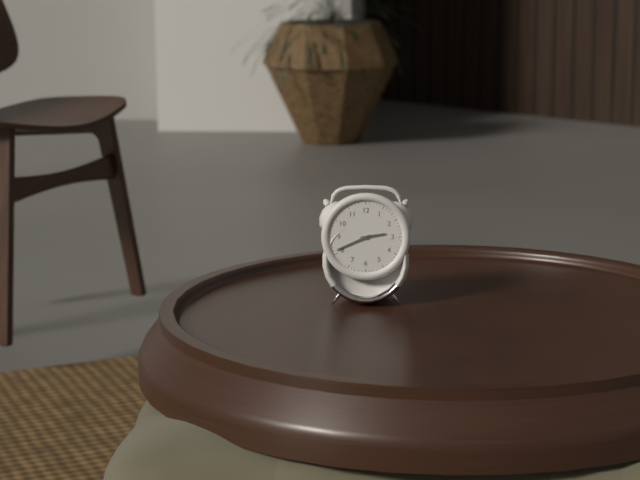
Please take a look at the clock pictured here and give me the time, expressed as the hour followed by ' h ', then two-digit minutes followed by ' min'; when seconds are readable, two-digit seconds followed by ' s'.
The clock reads 2 h 41 min
